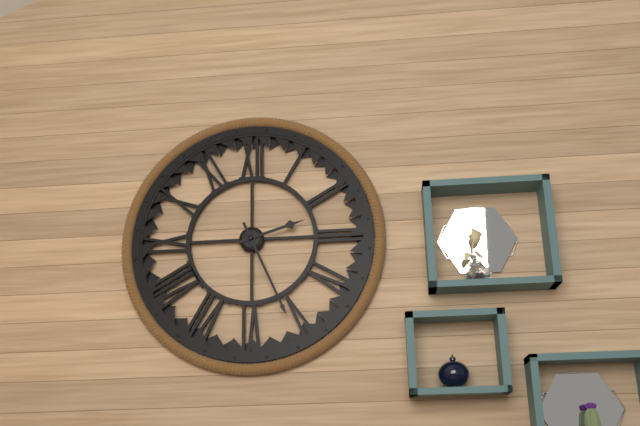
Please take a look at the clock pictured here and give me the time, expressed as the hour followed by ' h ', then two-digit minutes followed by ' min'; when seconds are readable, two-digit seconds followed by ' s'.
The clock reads 2 h 26 min
